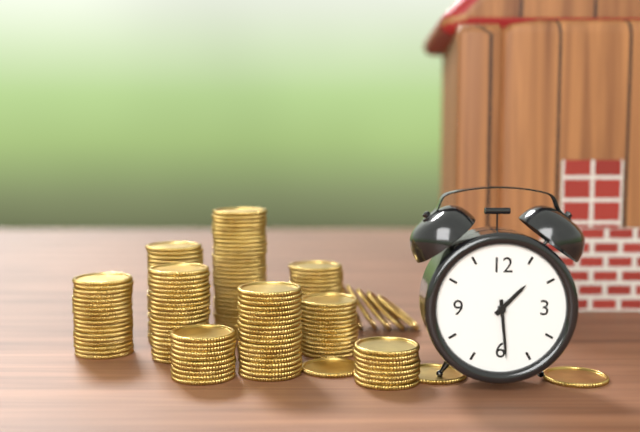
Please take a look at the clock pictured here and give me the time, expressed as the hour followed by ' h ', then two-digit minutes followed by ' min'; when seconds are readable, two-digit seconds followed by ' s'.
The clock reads 1 h 29 min
